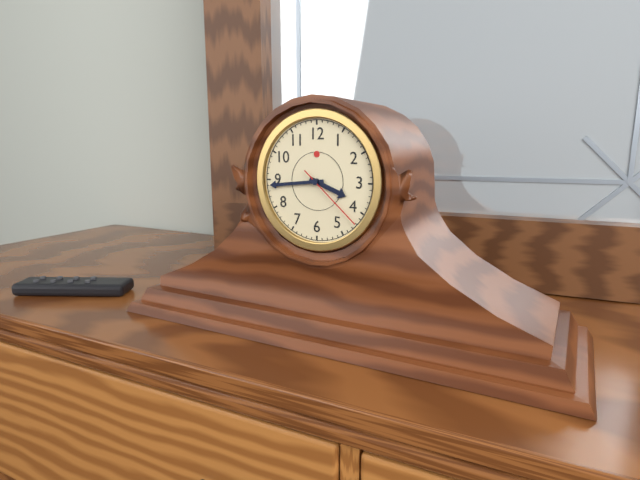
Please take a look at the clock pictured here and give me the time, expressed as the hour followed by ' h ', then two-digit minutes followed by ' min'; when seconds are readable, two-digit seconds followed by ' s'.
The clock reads 3 h 44 min 22 s
